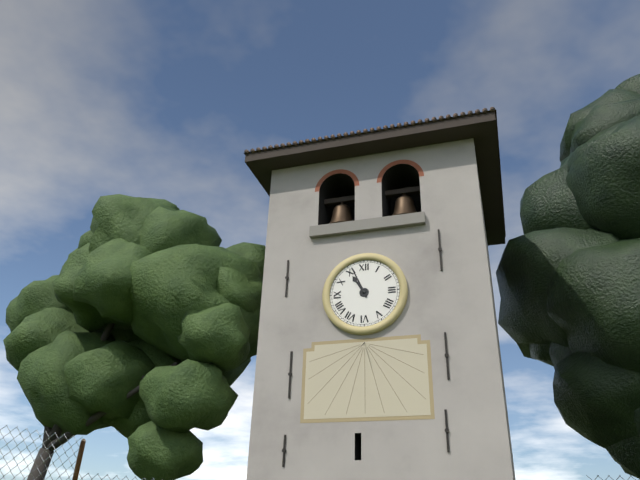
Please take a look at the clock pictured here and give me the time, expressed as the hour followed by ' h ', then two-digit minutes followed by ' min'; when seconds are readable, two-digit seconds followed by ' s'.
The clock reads 10 h 56 min
